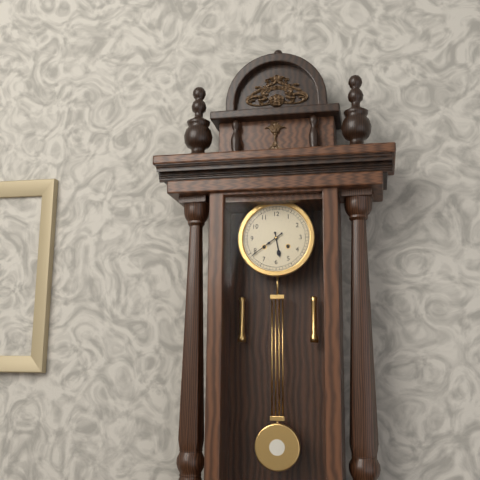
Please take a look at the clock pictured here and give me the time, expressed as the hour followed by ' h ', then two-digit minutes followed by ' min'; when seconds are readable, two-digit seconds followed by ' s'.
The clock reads 5 h 39 min
